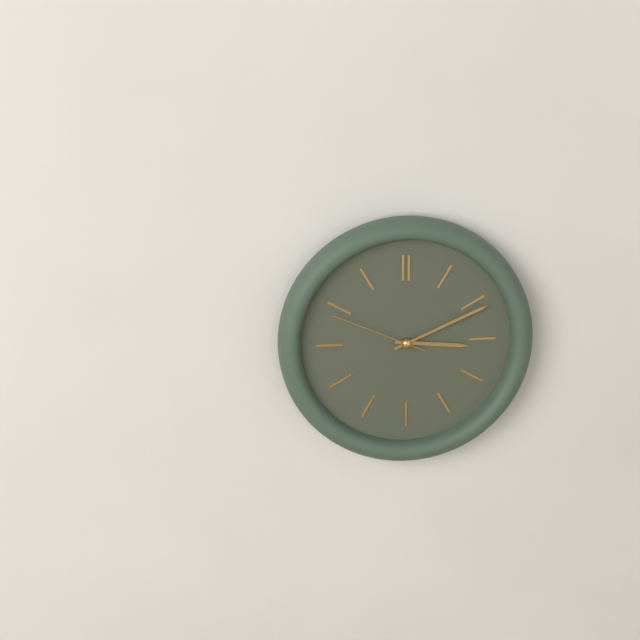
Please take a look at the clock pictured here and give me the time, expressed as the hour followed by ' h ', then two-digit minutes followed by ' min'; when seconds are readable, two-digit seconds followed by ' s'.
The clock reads 3 h 11 min 49 s
